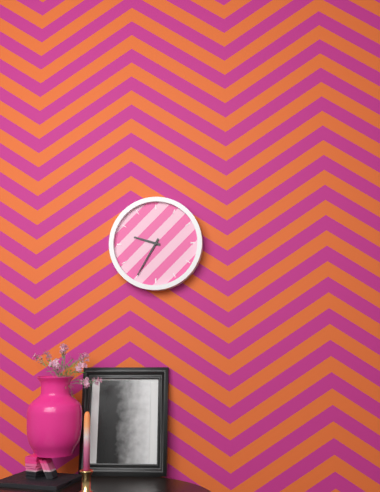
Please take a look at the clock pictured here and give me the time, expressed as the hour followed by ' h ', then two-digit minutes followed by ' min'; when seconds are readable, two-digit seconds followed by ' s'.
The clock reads 9 h 35 min
